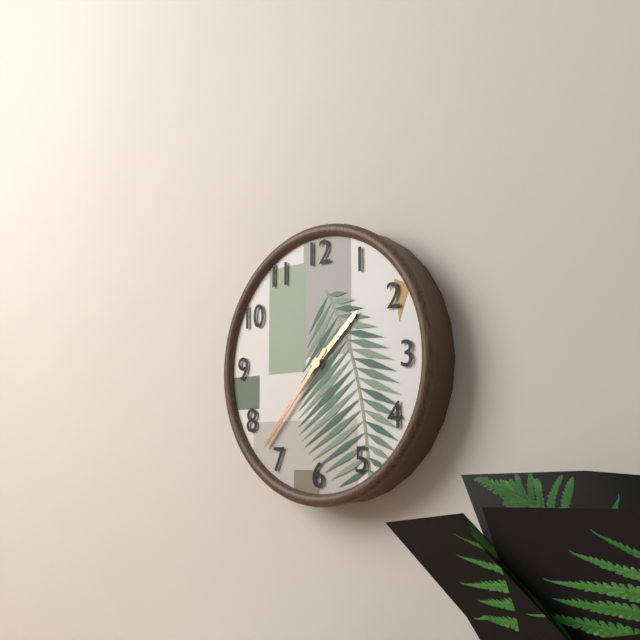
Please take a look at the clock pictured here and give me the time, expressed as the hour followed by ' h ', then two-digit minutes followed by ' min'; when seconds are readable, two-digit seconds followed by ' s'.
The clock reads 1 h 37 min
